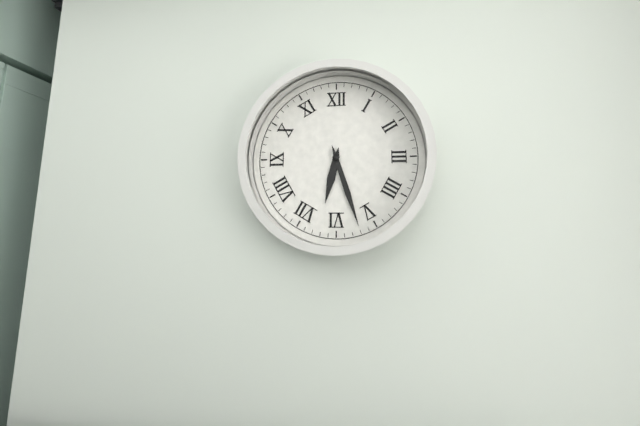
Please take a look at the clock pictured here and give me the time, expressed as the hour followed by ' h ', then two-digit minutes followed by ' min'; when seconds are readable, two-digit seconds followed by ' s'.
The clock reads 6 h 27 min
